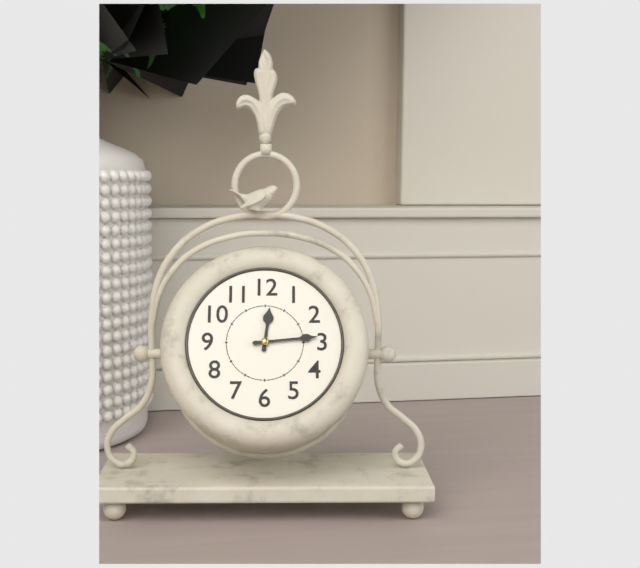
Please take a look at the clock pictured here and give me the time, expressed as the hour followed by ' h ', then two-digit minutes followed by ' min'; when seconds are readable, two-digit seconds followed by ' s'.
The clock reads 12 h 14 min
